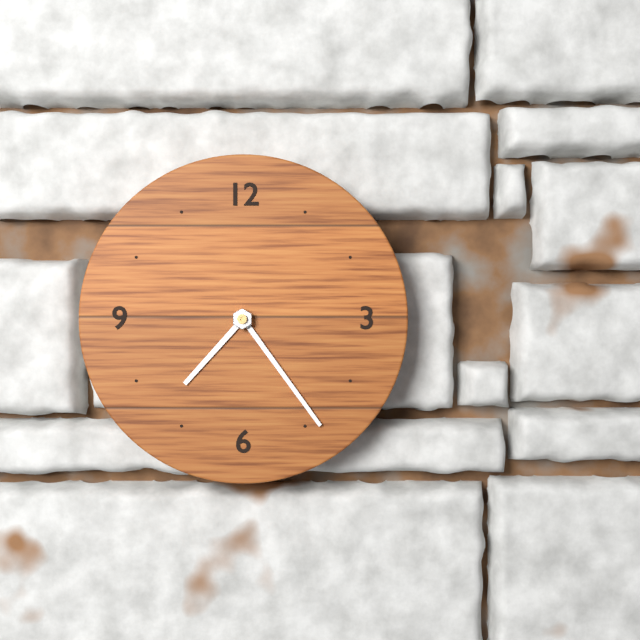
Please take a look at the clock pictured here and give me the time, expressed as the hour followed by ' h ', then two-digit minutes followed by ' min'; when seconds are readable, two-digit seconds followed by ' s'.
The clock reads 7 h 24 min
